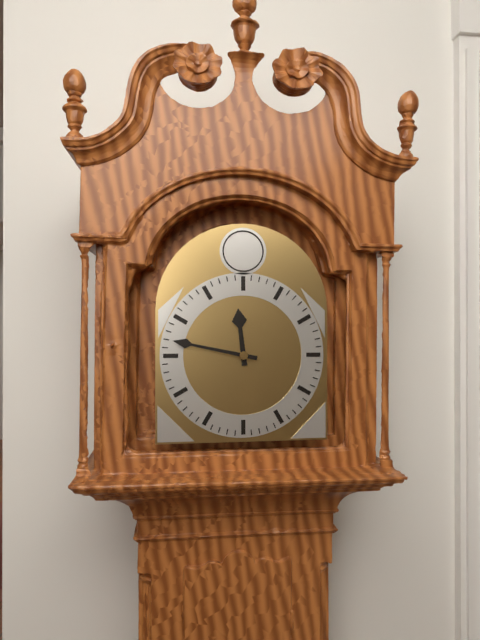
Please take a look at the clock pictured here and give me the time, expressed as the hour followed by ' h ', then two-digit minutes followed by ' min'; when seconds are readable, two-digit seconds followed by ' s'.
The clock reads 11 h 47 min
